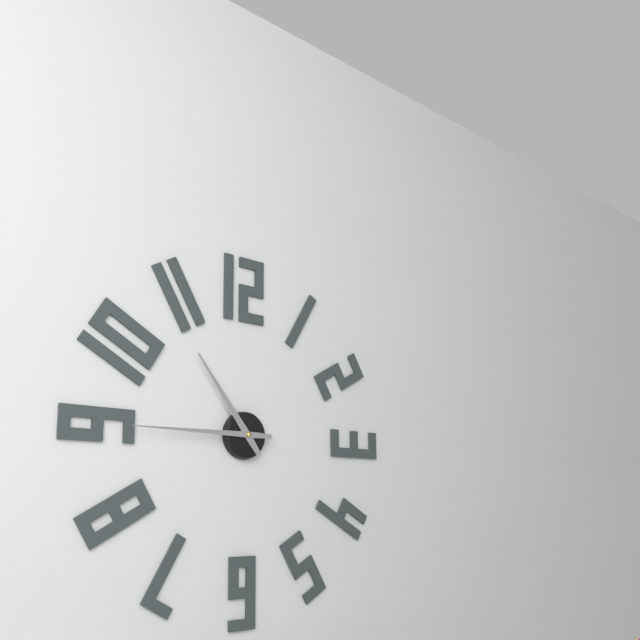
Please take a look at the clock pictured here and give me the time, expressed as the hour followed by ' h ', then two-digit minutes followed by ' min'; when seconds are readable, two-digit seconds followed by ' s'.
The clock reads 10 h 45 min
